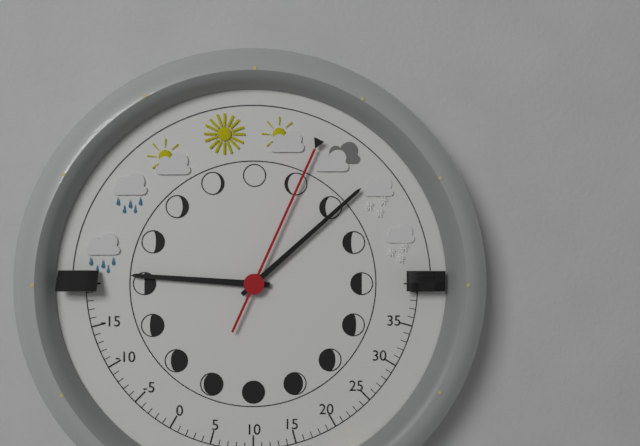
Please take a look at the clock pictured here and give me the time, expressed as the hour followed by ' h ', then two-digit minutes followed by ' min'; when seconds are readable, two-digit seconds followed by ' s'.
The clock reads 9 h 08 min 04 s
